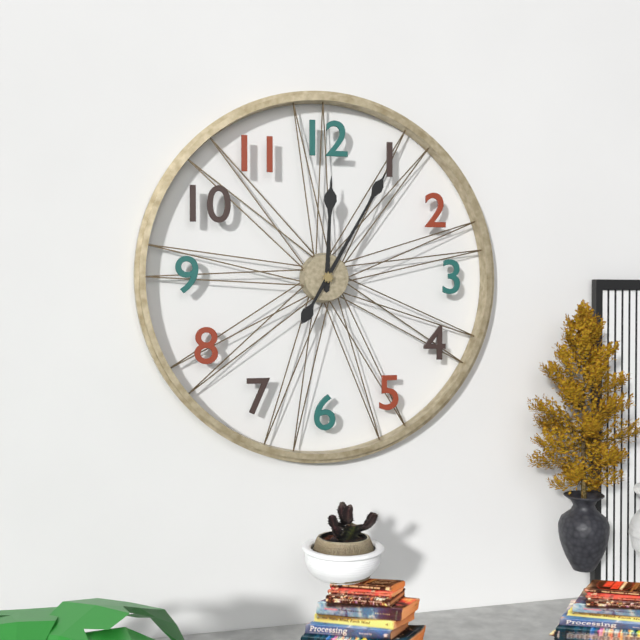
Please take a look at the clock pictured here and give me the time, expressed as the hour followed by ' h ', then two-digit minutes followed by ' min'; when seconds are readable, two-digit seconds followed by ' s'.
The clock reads 12 h 05 min
